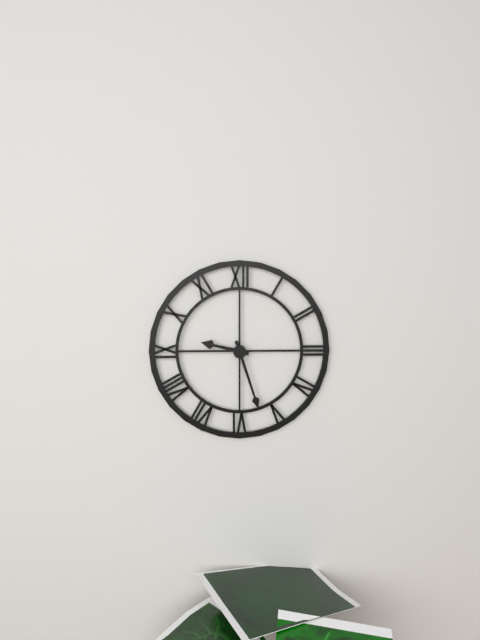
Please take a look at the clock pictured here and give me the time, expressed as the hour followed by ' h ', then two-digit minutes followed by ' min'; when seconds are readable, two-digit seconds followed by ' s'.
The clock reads 9 h 27 min
